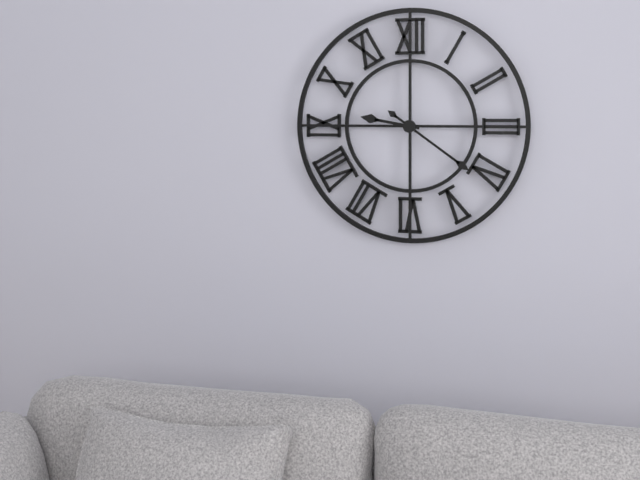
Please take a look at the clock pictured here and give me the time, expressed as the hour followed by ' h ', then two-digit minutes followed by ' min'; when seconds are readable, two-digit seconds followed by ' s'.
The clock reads 9 h 21 min
